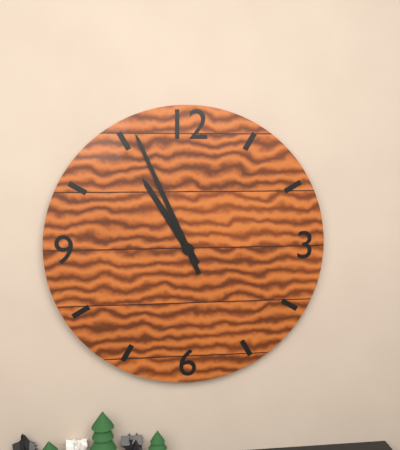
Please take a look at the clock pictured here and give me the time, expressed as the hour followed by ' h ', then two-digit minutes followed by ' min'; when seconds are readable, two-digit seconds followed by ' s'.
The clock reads 10 h 56 min
